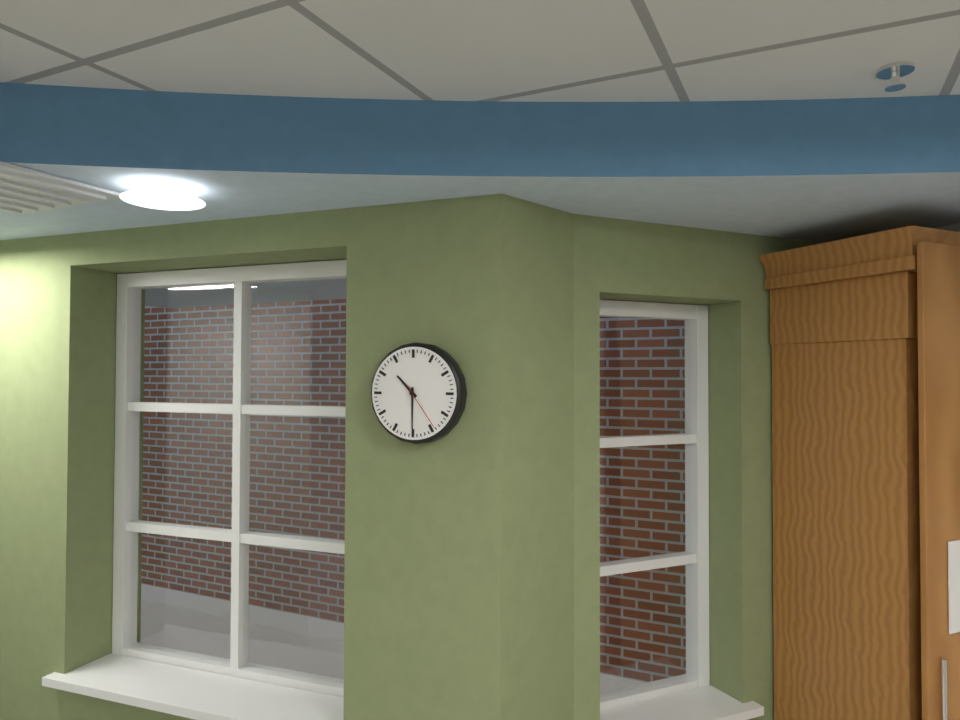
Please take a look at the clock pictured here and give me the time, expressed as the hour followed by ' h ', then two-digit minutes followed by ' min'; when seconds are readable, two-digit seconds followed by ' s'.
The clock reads 10 h 30 min 24 s
